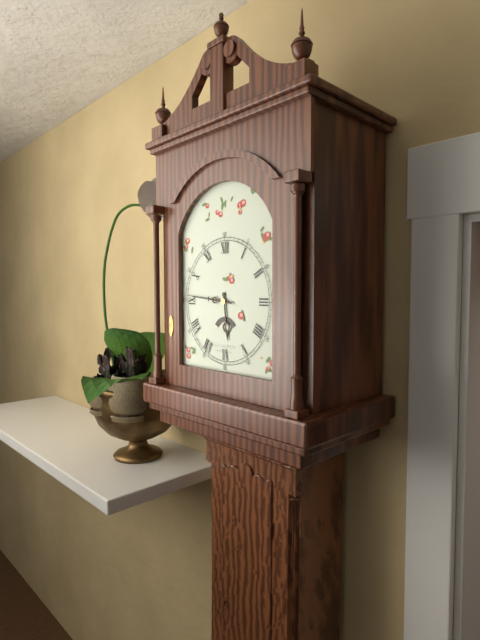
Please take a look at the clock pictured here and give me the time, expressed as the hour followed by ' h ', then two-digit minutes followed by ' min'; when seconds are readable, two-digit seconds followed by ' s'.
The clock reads 5 h 46 min
